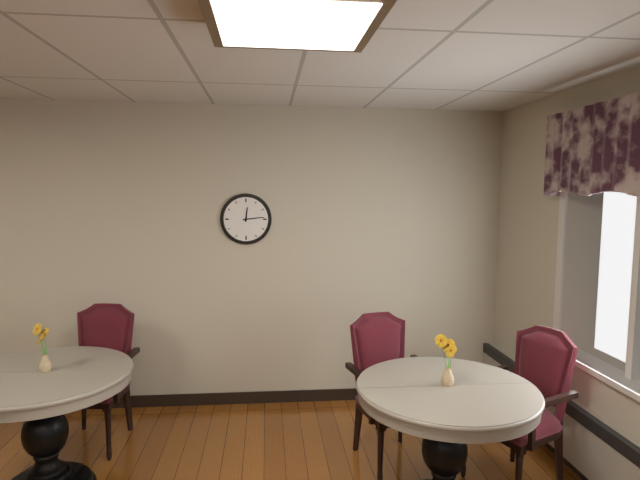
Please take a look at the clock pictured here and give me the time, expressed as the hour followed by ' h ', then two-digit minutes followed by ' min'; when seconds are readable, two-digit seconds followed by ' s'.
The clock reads 12 h 14 min
